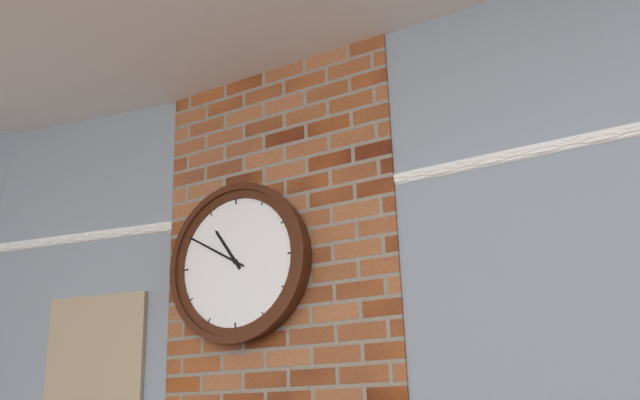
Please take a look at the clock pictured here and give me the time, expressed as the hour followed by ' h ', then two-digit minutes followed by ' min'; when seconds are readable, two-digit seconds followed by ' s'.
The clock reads 10 h 50 min
